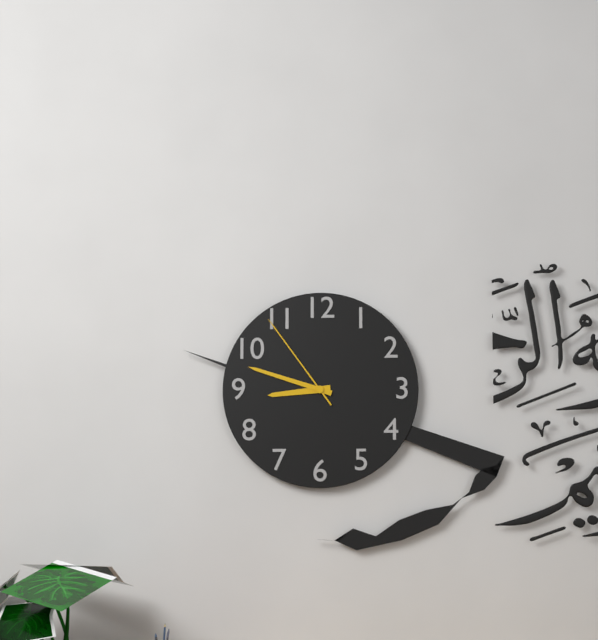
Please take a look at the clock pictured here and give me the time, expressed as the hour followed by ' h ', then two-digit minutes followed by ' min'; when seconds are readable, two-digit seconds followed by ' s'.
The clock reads 8 h 48 min 54 s
